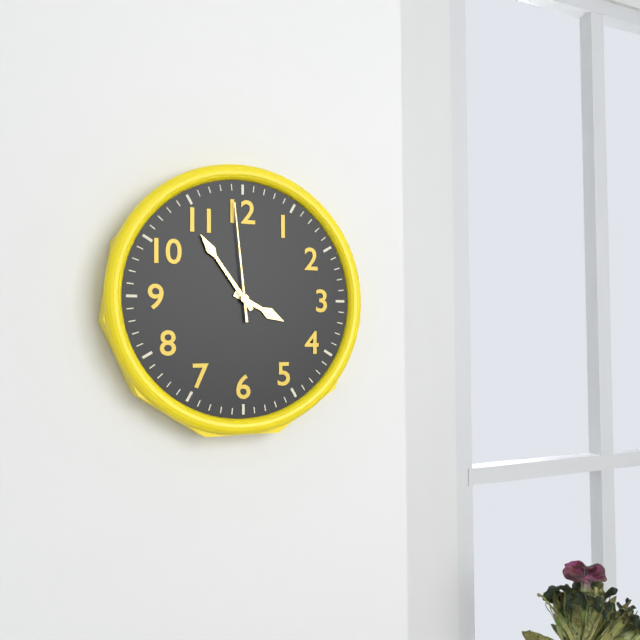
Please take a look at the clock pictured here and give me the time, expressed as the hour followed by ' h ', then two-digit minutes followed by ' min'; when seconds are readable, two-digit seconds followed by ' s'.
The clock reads 3 h 54 min 59 s
